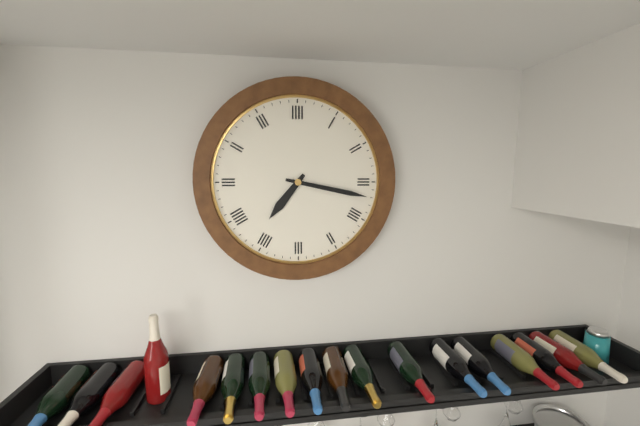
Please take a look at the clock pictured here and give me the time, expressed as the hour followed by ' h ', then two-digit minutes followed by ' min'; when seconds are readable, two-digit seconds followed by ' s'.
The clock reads 7 h 17 min
